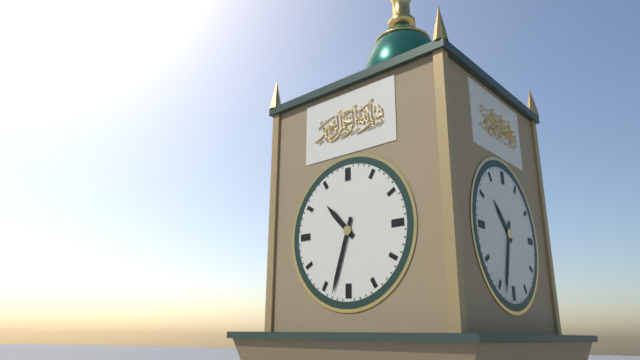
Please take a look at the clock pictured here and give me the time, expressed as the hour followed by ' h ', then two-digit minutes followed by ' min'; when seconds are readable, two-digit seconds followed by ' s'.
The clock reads 10 h 33 min
